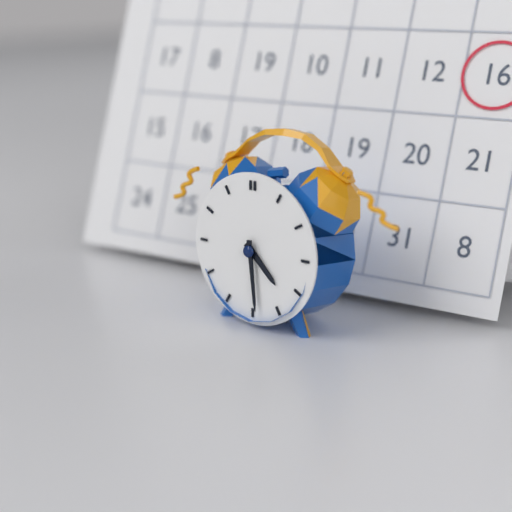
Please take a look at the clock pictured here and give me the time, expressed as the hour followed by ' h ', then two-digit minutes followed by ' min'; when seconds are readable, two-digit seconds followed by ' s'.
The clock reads 4 h 29 min
